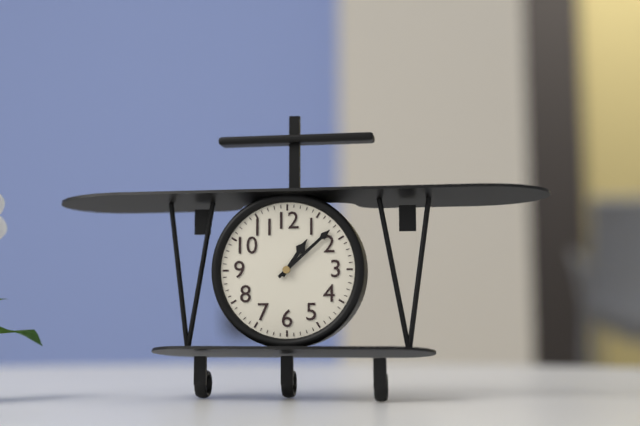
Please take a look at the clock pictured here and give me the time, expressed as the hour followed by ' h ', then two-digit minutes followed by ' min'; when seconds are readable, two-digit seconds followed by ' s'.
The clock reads 1 h 08 min
